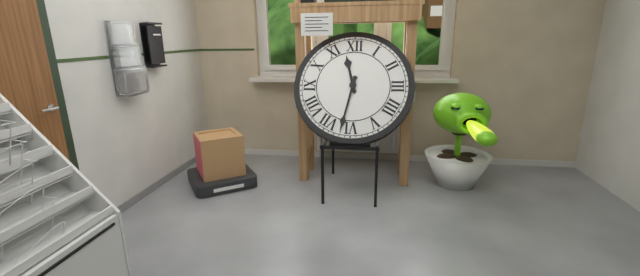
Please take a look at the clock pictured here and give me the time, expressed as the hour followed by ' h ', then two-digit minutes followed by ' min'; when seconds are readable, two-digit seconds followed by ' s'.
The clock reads 11 h 32 min
